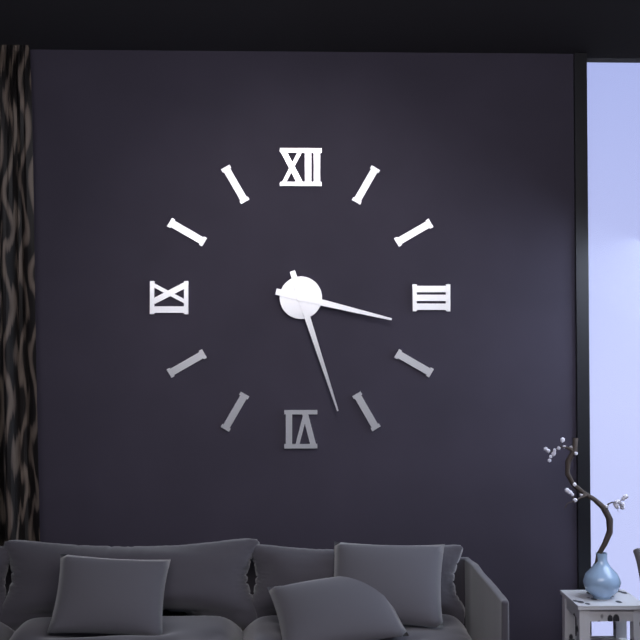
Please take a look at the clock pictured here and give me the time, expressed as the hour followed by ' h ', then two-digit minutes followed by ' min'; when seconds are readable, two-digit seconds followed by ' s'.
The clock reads 3 h 27 min
